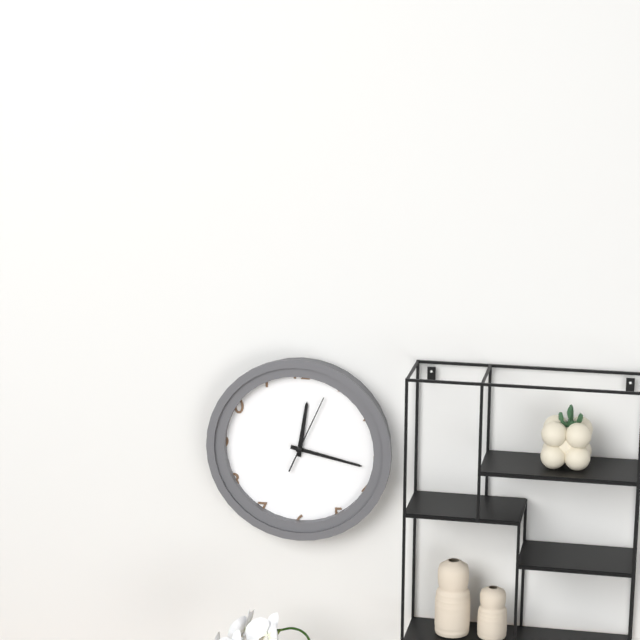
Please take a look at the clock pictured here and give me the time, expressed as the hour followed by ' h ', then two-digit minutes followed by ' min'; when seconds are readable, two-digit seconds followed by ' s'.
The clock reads 12 h 17 min 04 s
